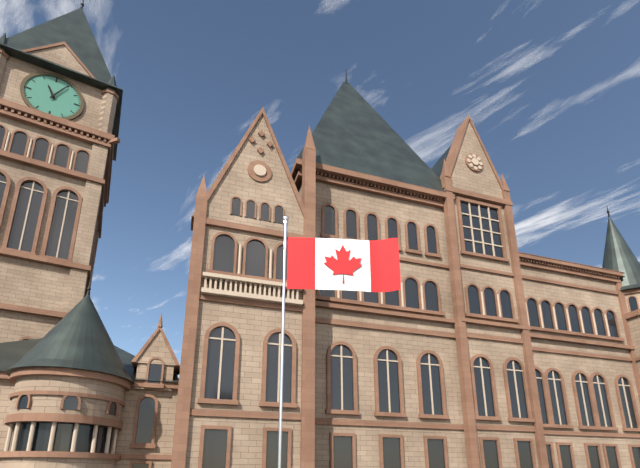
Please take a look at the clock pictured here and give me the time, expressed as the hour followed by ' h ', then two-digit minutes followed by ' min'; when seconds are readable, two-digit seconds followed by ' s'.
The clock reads 11 h 05 min
